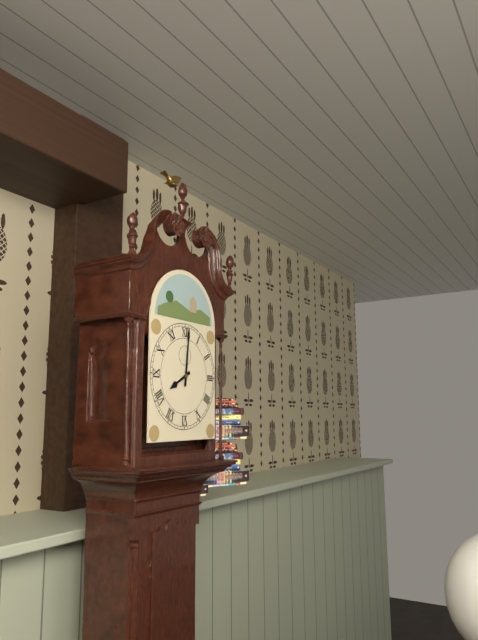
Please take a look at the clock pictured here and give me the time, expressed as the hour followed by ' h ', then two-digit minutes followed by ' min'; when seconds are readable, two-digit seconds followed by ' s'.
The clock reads 8 h 01 min
